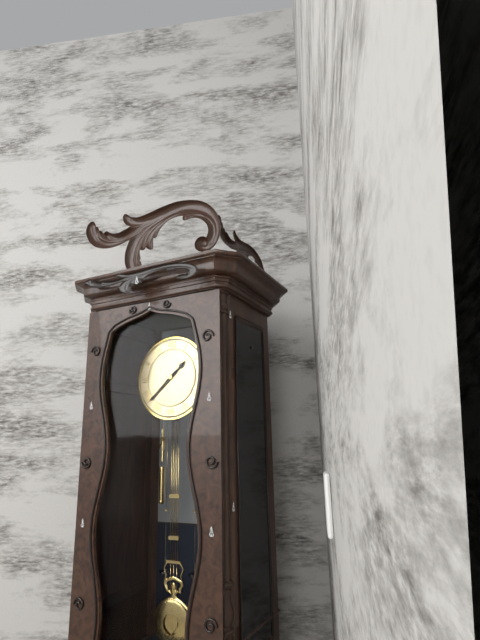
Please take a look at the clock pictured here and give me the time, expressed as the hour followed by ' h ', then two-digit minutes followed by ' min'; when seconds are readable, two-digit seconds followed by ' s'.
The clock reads 1 h 38 min
